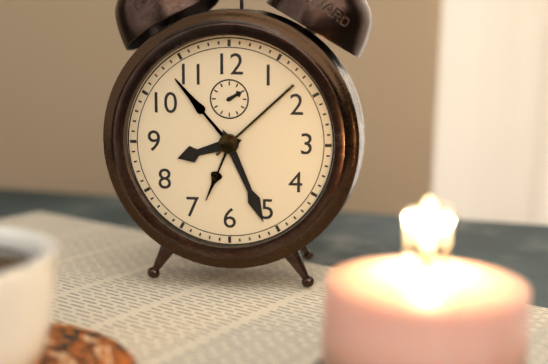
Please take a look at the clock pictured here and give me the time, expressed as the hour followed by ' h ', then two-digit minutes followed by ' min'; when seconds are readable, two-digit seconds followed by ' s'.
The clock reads 8 h 26 min
